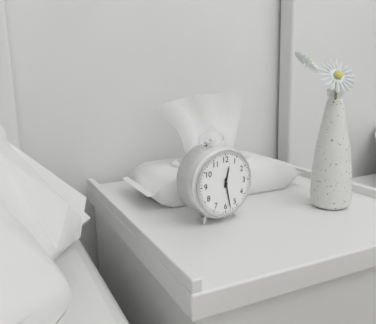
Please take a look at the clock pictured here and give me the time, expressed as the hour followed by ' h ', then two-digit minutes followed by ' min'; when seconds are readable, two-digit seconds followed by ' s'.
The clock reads 12 h 28 min
